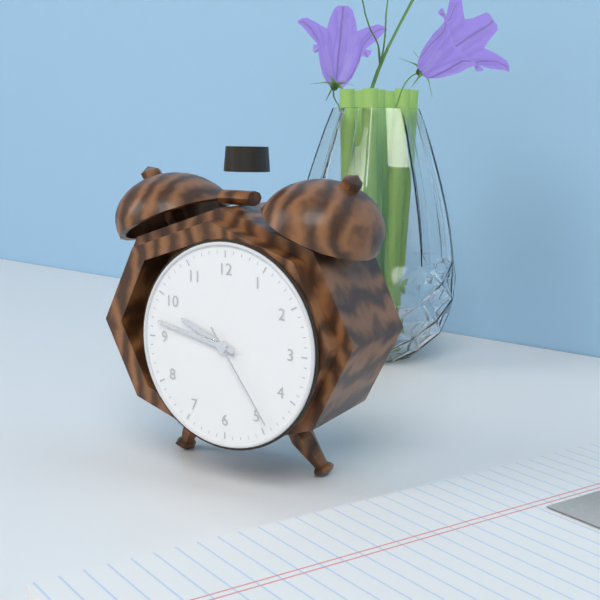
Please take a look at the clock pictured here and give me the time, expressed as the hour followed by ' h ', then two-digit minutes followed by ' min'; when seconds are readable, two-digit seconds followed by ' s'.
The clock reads 9 h 47 min 24 s
